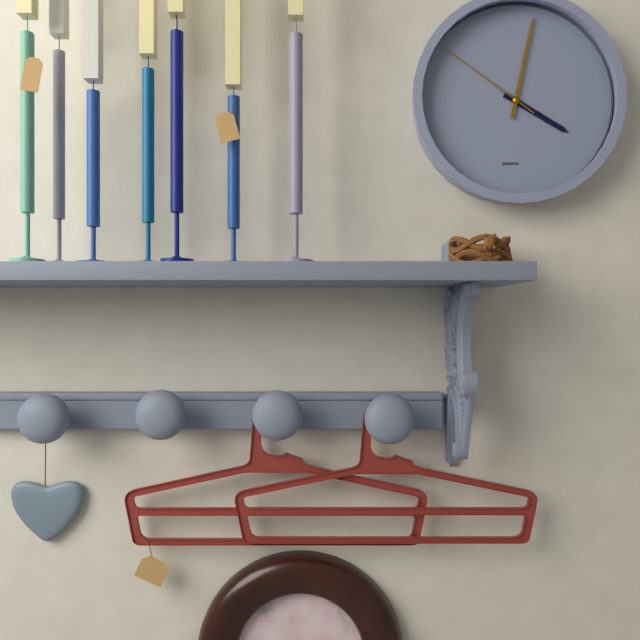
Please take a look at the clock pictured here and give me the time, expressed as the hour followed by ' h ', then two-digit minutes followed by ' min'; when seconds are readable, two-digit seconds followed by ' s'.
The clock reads 4 h 02 min 51 s
